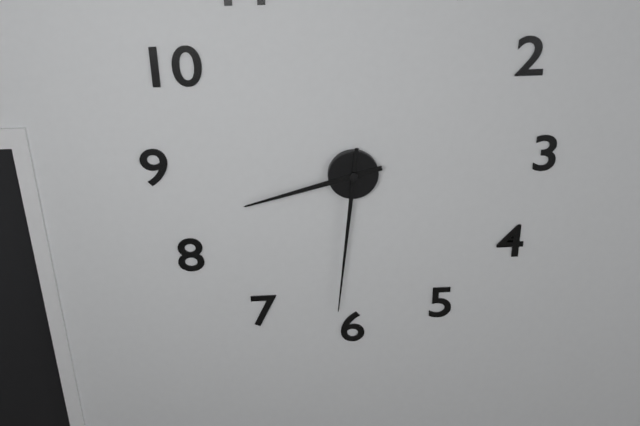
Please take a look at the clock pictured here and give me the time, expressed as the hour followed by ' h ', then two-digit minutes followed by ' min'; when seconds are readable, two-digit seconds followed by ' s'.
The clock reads 8 h 31 min
